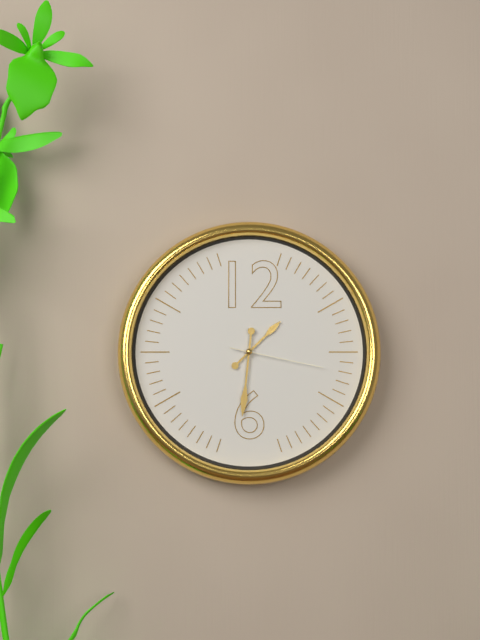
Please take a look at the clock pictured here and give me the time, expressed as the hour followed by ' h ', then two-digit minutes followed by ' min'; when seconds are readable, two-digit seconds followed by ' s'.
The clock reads 1 h 31 min 17 s
